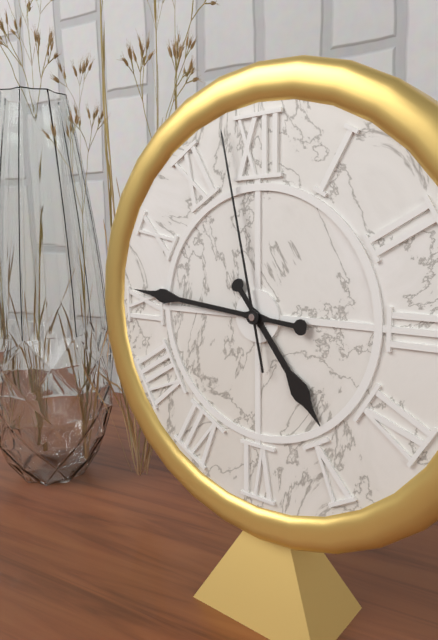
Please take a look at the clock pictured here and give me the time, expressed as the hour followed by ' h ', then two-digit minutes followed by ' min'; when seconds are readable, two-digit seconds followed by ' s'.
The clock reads 4 h 46 min 58 s
